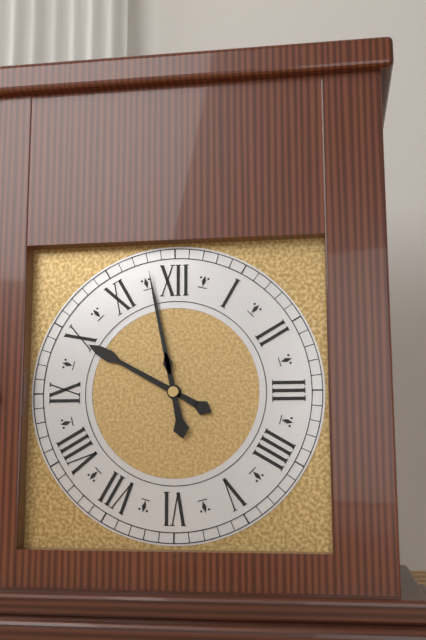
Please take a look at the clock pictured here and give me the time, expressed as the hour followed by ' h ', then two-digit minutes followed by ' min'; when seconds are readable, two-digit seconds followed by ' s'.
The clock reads 9 h 58 min
